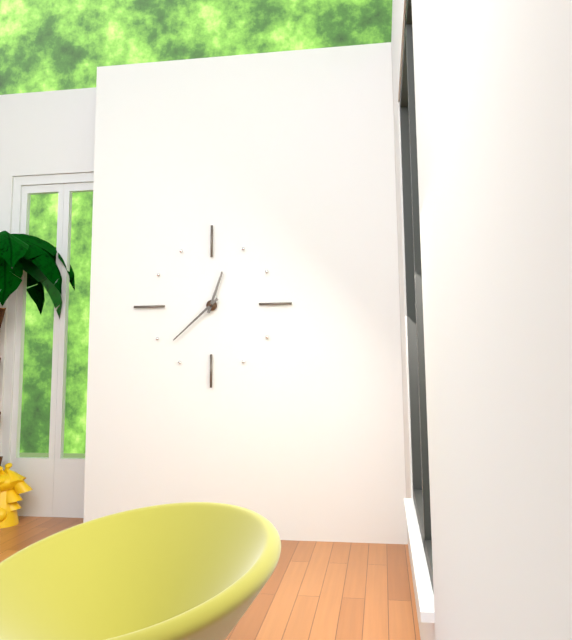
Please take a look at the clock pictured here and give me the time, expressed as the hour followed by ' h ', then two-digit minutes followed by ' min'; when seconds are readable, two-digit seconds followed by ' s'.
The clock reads 12 h 38 min
